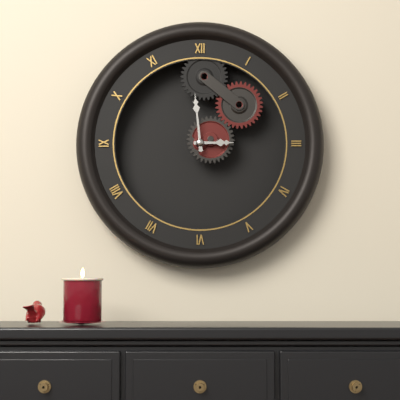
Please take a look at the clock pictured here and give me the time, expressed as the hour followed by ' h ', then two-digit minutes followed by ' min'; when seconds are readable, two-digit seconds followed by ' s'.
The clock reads 2 h 59 min
